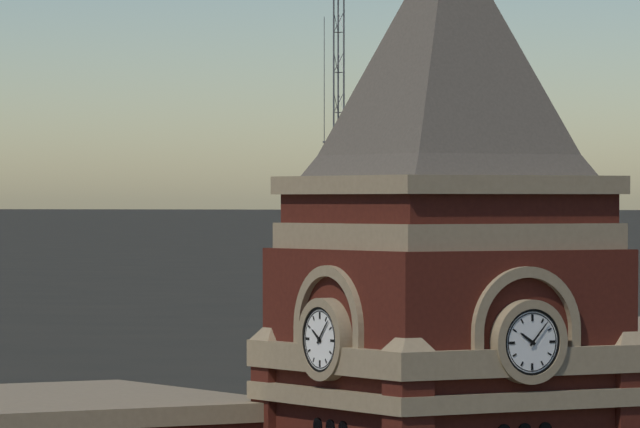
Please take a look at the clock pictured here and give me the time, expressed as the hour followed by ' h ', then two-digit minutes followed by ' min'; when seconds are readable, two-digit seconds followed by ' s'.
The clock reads 10 h 07 min
